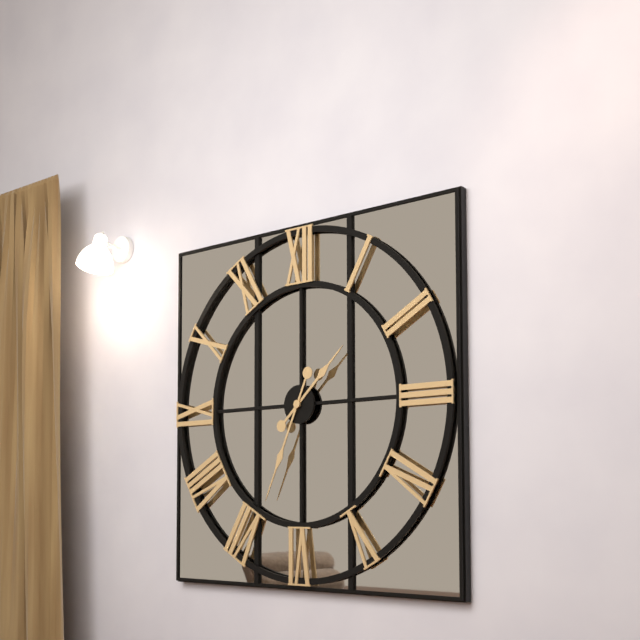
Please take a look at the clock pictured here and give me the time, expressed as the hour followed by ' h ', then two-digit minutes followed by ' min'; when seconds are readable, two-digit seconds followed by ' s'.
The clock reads 1 h 34 min
